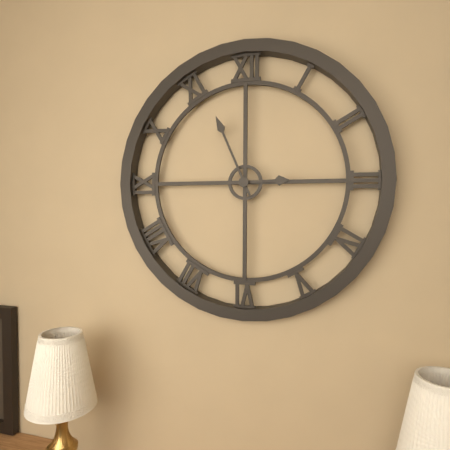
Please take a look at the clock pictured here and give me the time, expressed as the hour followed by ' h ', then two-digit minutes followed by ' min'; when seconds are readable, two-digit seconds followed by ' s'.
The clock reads 2 h 56 min
